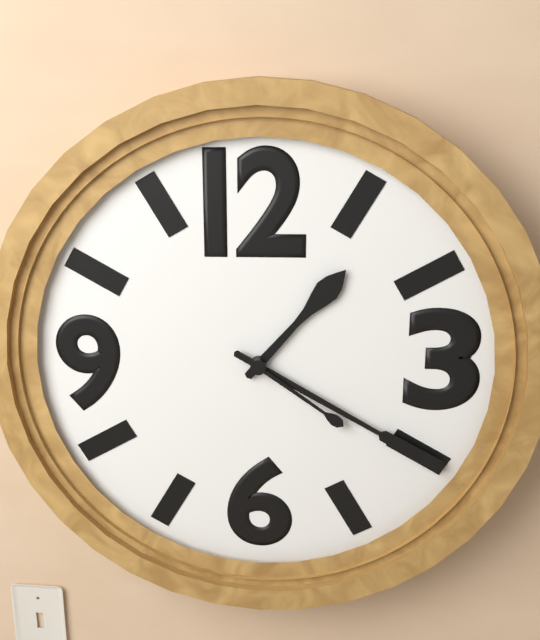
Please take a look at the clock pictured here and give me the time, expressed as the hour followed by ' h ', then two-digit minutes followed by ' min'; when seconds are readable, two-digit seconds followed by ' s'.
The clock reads 1 h 20 min 21 s
